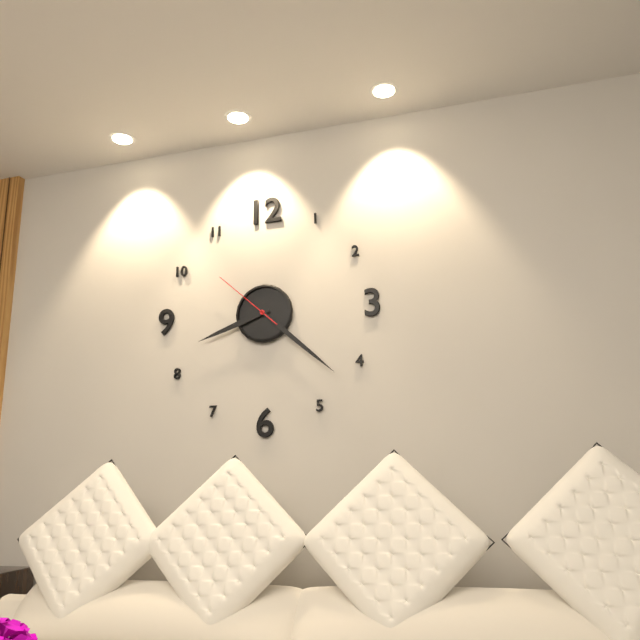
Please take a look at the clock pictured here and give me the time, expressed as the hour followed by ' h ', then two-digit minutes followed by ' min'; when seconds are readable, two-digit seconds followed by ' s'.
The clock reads 8 h 22 min 52 s
